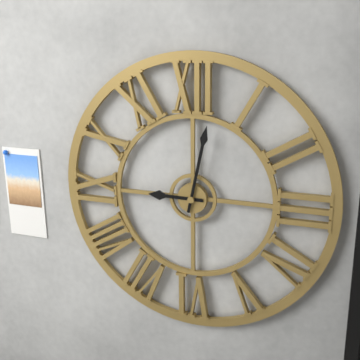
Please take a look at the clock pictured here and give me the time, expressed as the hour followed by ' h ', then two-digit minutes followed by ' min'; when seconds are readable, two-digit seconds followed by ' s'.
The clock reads 9 h 02 min
